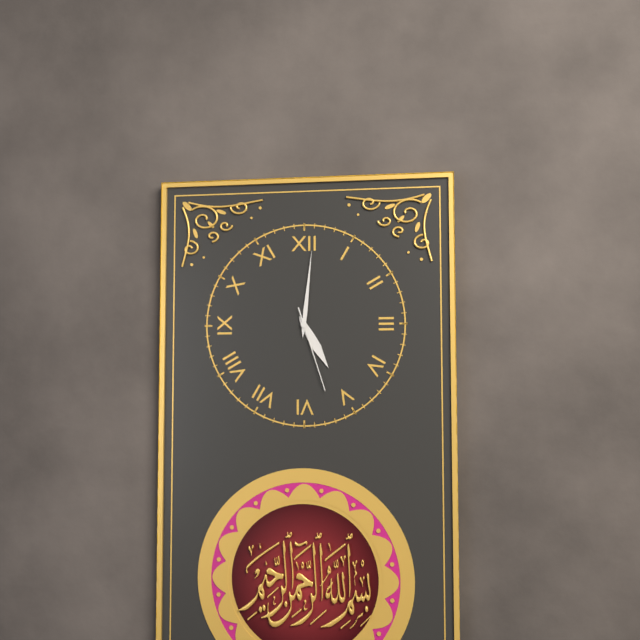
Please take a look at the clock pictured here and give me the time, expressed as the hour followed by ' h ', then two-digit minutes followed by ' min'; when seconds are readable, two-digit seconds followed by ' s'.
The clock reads 5 h 01 min 27 s
